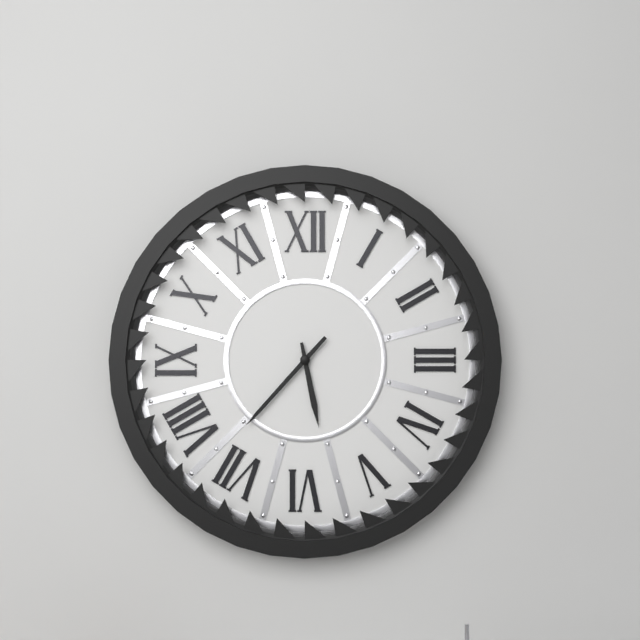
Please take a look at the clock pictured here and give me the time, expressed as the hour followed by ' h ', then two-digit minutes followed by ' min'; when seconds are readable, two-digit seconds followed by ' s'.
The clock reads 5 h 37 min
